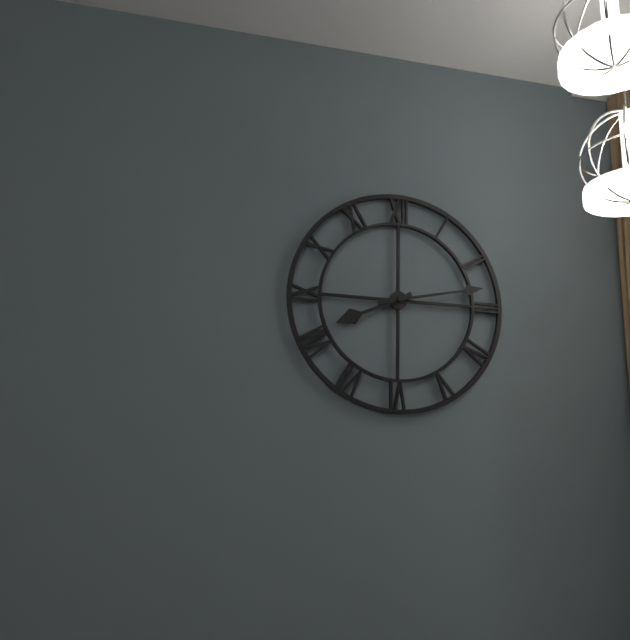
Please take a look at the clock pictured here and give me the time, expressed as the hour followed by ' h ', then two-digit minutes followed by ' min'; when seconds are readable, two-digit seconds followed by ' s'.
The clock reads 8 h 13 min
